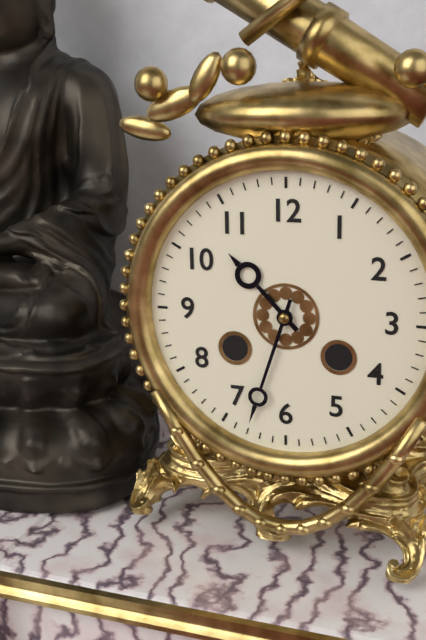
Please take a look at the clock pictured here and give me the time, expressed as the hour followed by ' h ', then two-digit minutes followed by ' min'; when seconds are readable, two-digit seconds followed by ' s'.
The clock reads 10 h 33 min
